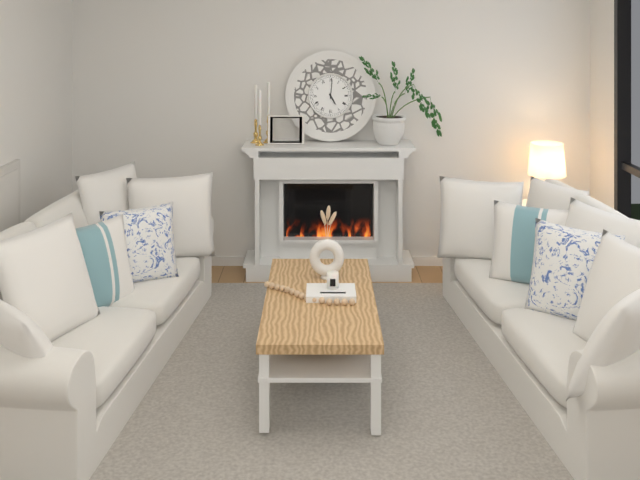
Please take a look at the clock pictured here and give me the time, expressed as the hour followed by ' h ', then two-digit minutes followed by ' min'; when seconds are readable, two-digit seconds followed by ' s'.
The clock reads 5 h 01 min
